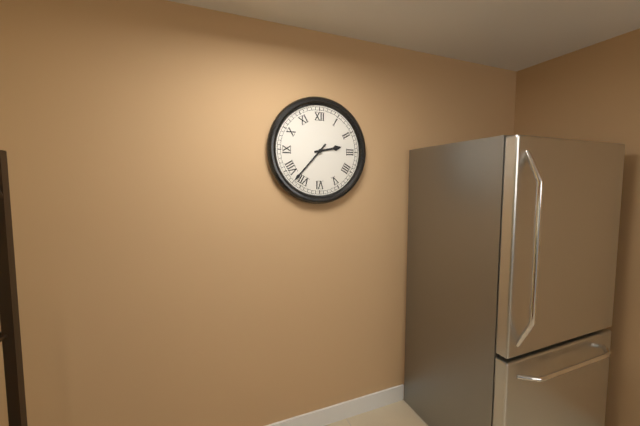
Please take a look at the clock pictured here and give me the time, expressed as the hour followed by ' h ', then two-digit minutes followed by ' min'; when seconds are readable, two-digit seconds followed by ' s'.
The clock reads 2 h 37 min
